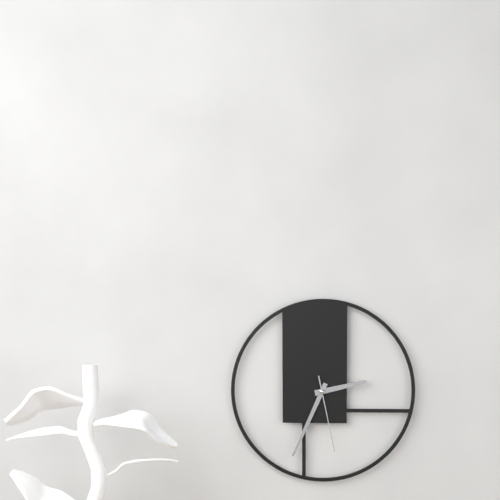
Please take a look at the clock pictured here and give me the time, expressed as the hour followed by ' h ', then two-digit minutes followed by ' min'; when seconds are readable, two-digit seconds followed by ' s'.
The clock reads 2 h 34 min 28 s
